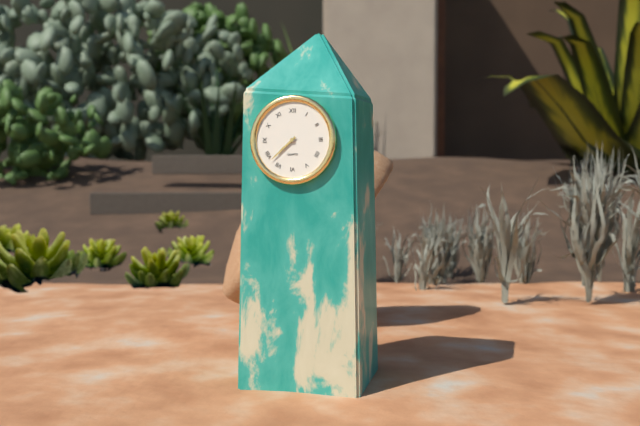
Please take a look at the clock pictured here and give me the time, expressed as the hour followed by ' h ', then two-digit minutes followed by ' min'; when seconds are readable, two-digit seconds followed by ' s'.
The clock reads 7 h 38 min
